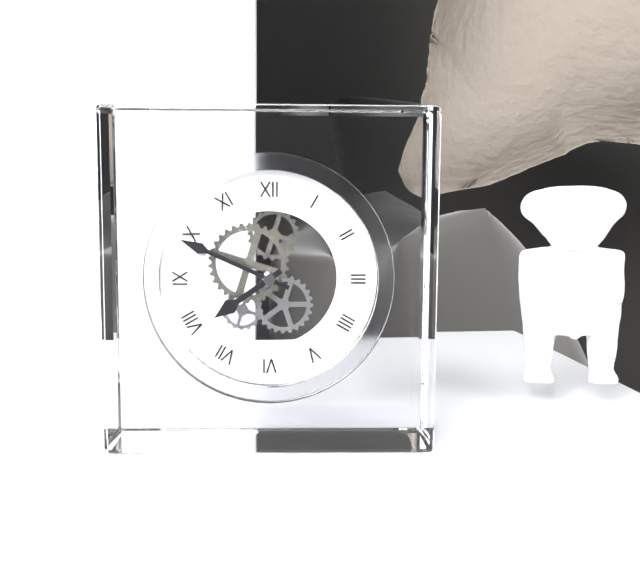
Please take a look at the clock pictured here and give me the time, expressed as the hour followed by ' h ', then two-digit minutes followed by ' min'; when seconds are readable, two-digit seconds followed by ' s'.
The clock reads 7 h 49 min
